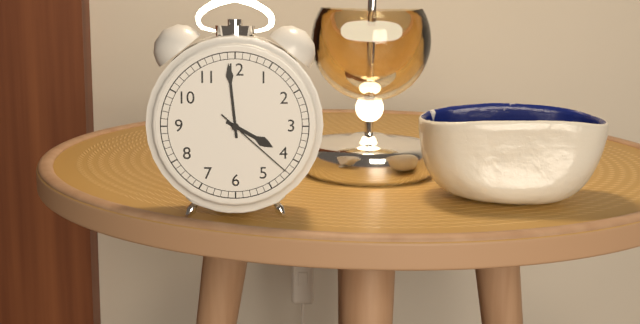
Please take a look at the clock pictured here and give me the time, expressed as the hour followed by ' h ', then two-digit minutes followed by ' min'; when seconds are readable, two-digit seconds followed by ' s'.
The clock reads 3 h 59 min 22 s
